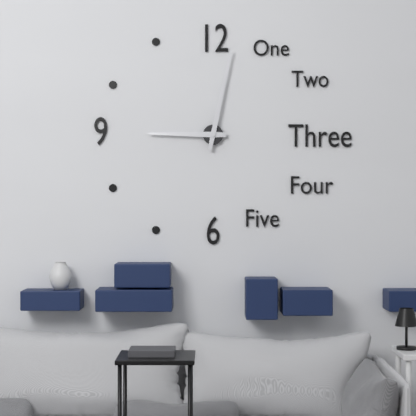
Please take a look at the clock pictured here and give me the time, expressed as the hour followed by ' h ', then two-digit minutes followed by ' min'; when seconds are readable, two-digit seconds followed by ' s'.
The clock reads 9 h 02 min
